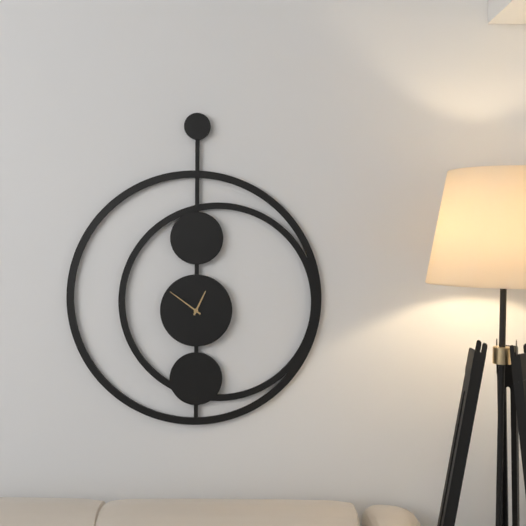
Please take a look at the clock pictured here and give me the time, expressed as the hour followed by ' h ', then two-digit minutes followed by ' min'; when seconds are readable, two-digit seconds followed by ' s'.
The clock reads 12 h 51 min
